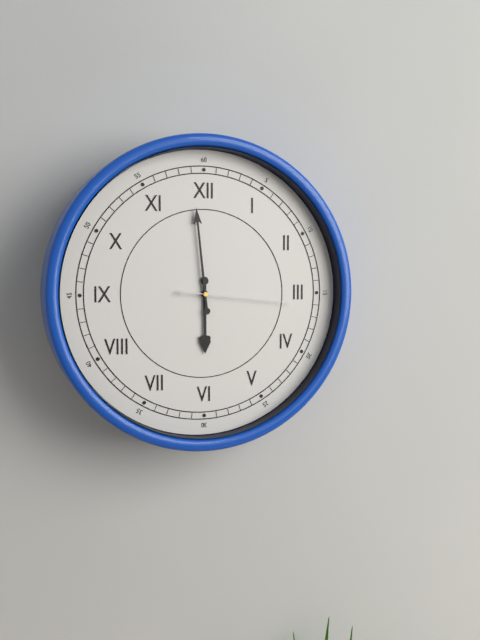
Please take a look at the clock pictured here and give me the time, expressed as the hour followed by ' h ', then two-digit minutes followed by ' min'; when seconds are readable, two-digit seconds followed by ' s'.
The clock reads 5 h 59 min 16 s
